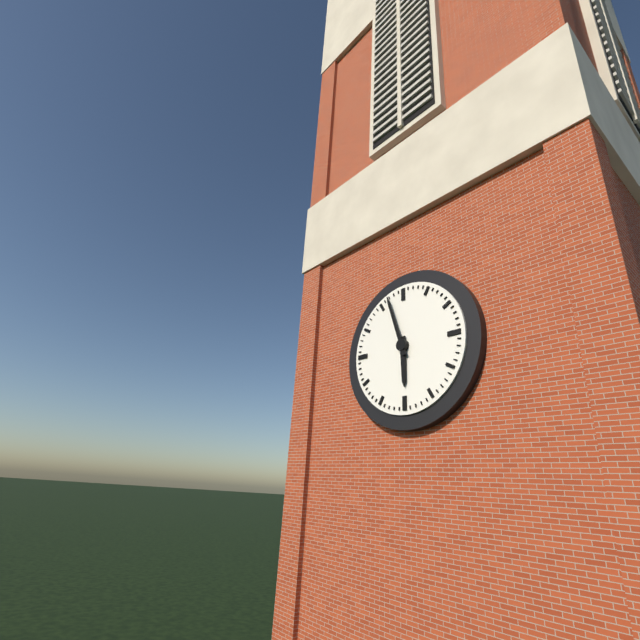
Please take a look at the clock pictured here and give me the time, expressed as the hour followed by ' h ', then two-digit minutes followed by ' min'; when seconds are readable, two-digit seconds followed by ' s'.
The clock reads 5 h 57 min
